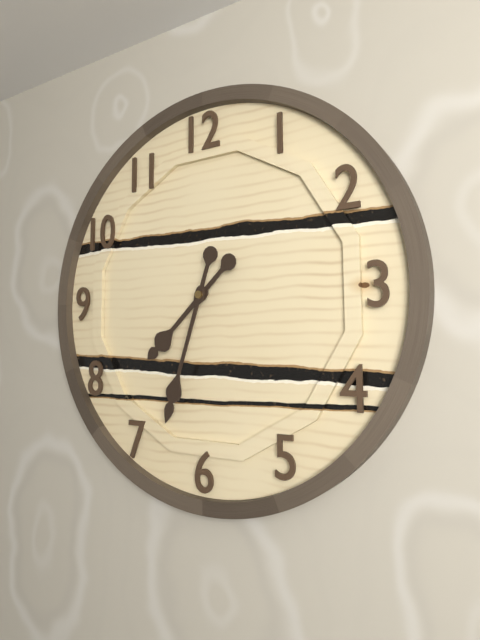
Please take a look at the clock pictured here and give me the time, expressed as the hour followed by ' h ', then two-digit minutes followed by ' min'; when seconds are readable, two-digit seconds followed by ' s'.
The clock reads 7 h 33 min
